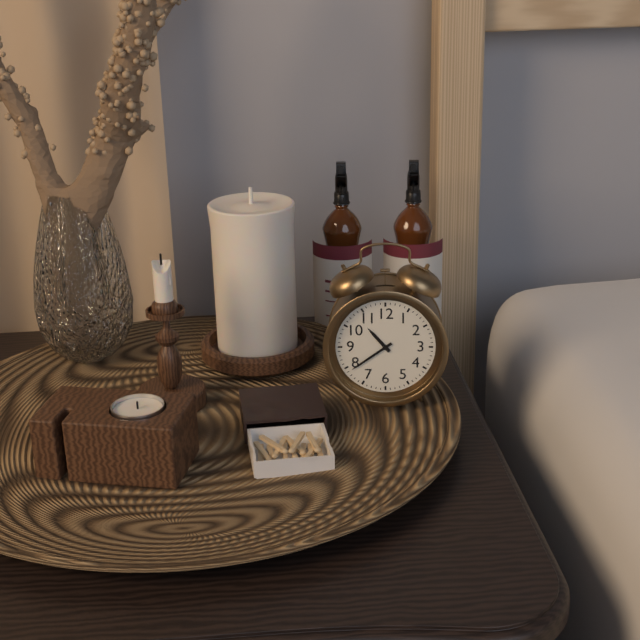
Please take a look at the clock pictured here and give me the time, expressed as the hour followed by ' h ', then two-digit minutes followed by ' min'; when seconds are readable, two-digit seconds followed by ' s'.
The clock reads 10 h 39 min
